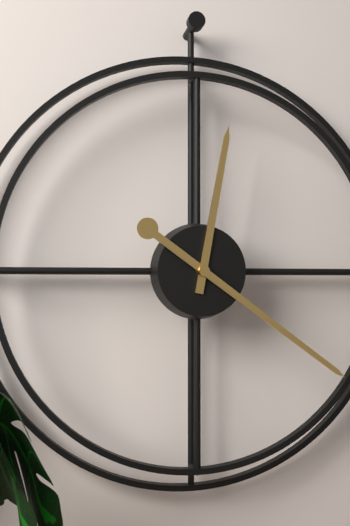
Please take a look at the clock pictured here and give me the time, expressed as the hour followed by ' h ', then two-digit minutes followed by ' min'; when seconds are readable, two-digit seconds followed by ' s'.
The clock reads 12 h 21 min
